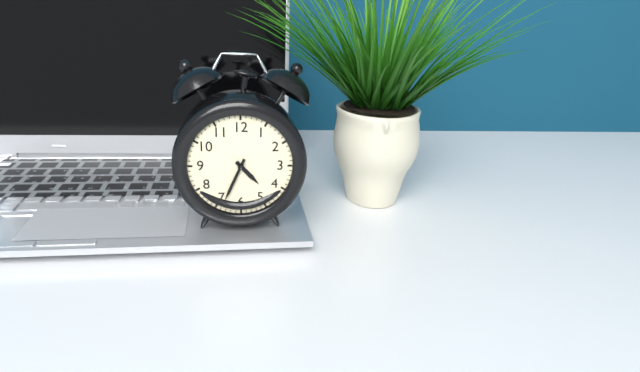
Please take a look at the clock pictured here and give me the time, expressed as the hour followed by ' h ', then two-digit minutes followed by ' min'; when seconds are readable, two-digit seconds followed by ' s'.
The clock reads 4 h 34 min
